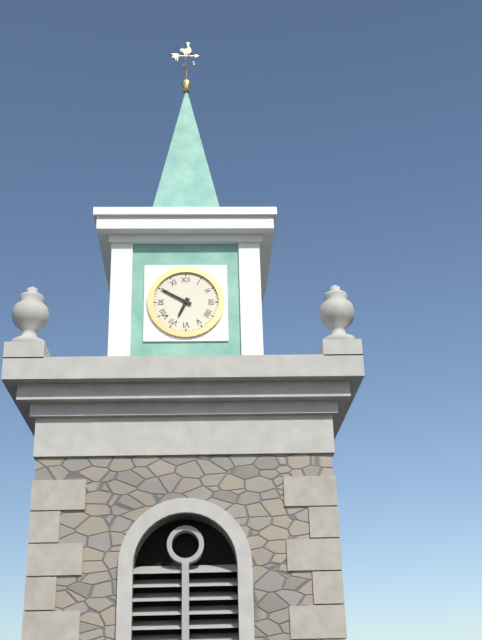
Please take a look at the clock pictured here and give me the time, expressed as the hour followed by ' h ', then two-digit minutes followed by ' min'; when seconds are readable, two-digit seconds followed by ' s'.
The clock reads 6 h 50 min
